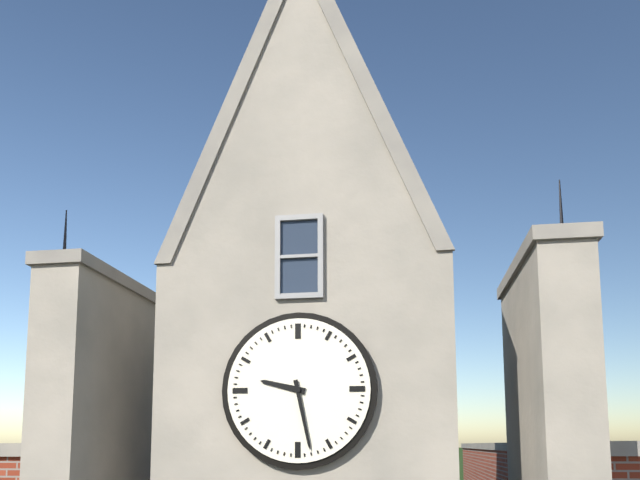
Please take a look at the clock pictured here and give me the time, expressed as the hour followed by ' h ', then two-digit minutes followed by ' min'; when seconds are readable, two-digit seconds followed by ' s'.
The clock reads 9 h 28 min
